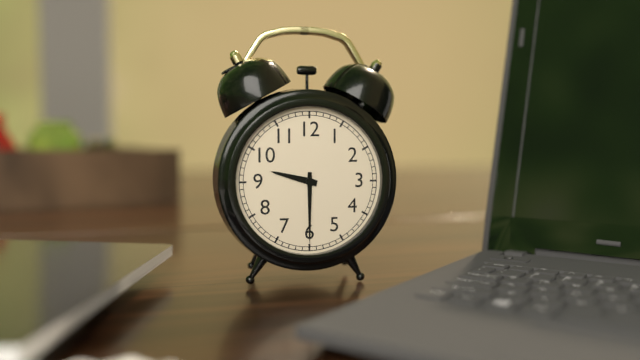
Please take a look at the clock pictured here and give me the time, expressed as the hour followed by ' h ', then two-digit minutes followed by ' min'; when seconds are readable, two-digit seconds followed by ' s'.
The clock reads 9 h 30 min
